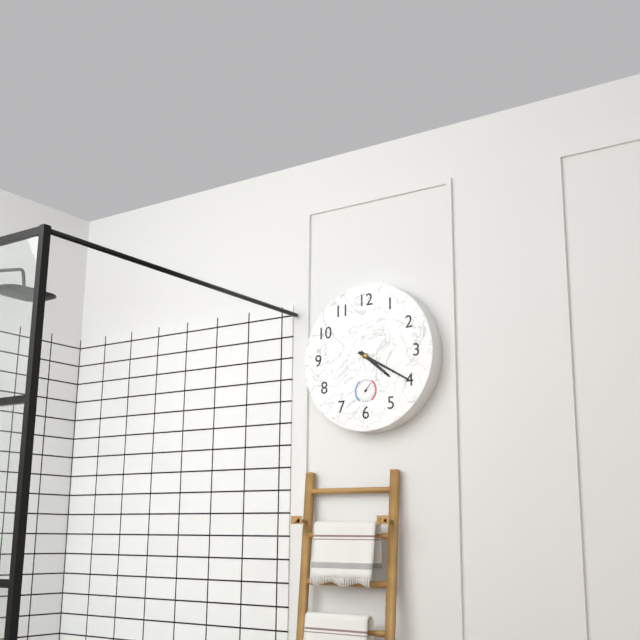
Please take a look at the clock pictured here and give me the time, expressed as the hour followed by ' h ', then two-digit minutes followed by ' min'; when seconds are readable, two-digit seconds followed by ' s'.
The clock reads 4 h 20 min
